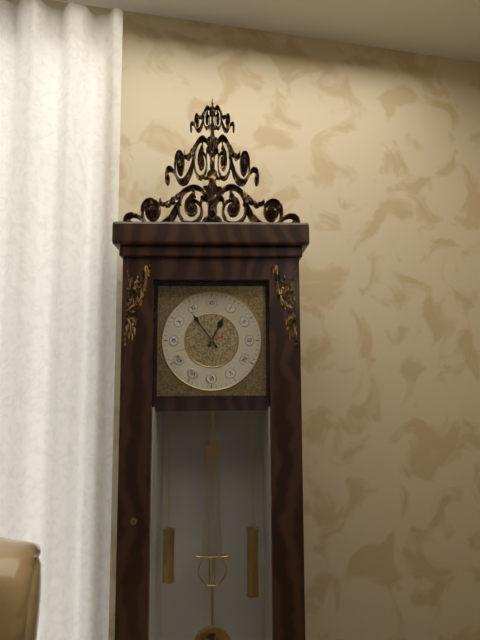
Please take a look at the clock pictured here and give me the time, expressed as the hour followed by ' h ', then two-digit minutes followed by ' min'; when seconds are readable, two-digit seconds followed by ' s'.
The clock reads 12 h 54 min
